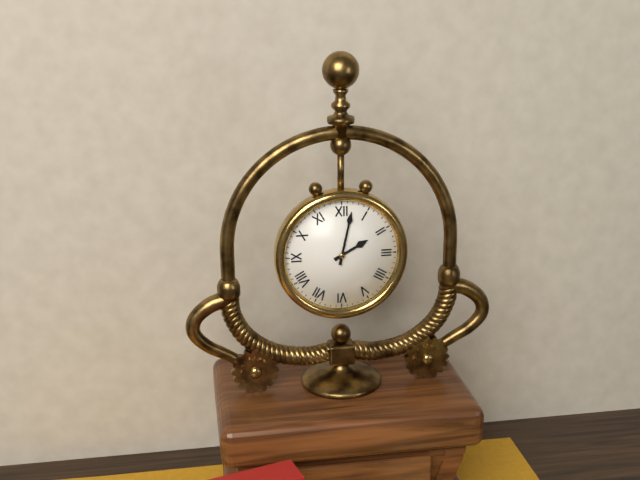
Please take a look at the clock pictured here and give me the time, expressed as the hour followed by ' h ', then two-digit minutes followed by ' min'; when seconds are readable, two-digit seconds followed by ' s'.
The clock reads 2 h 02 min
